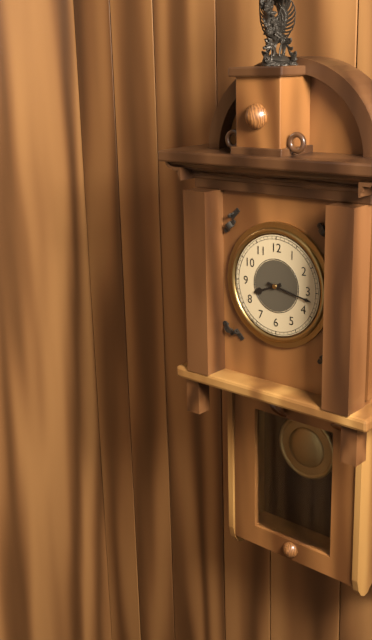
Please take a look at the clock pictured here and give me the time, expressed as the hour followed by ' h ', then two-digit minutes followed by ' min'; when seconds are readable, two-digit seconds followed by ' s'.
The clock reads 8 h 17 min
